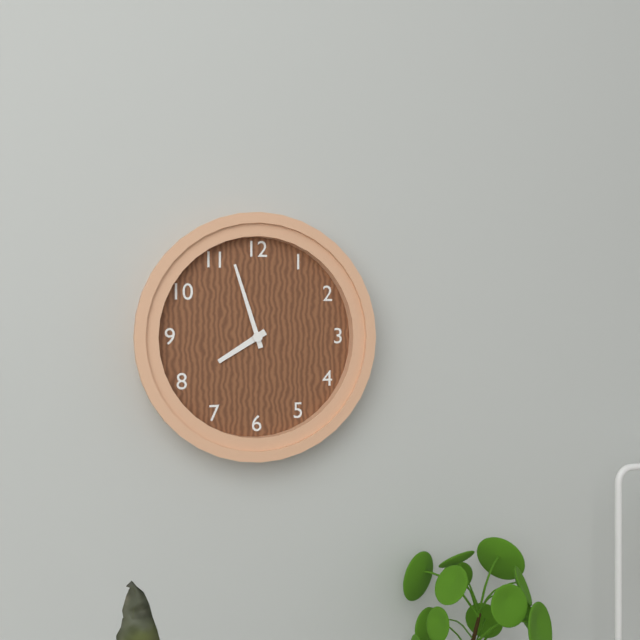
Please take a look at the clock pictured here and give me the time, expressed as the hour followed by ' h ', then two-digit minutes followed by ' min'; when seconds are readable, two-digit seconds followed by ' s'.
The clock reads 7 h 57 min
